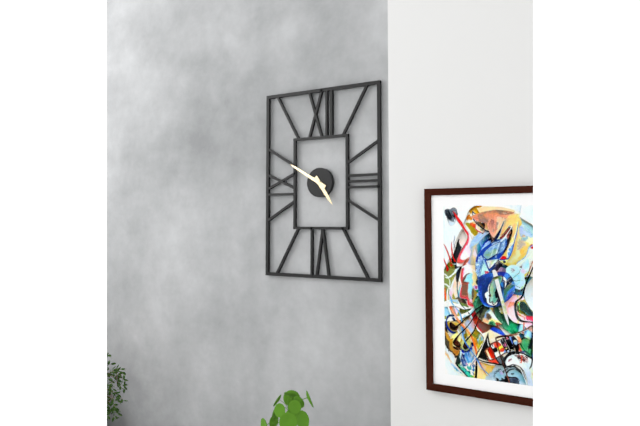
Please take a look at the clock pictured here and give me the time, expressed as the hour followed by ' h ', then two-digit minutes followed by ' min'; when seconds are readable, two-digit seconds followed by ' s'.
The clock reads 4 h 50 min
